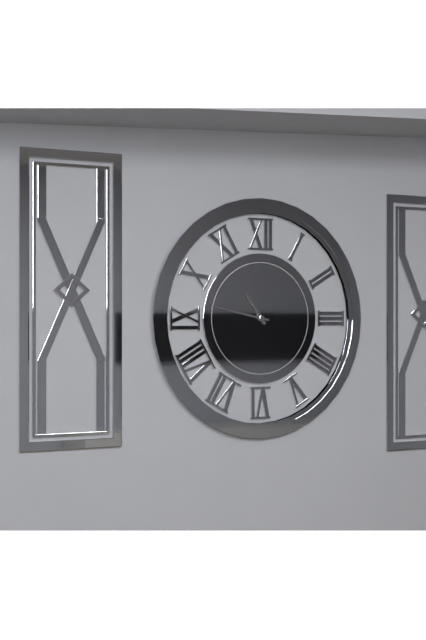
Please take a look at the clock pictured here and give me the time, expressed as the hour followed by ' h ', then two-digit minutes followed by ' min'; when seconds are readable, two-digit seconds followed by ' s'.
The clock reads 10 h 47 min
